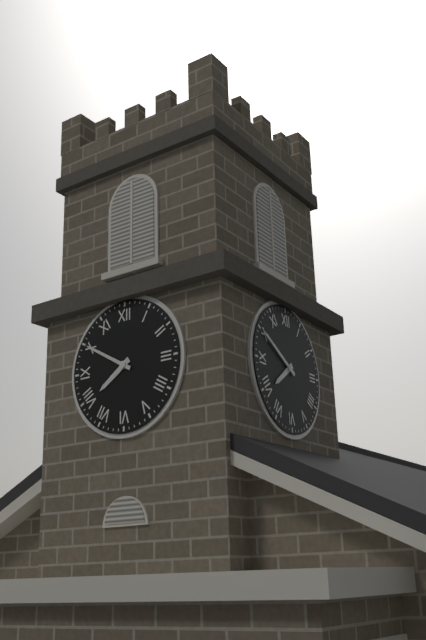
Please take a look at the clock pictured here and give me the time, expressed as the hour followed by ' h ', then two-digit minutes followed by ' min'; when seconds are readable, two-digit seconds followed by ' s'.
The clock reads 7 h 50 min
